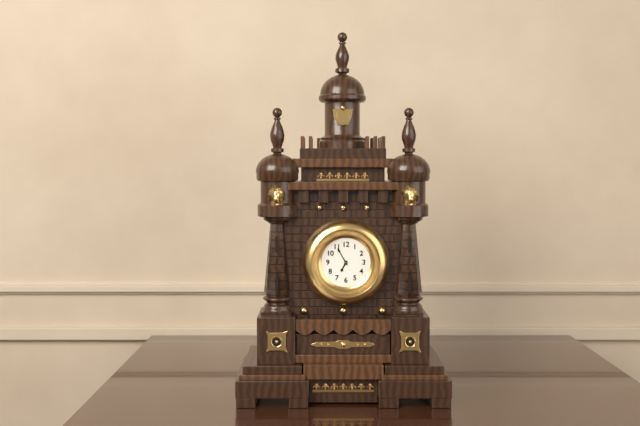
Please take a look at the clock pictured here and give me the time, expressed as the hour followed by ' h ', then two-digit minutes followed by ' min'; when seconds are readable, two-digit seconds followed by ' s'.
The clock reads 6 h 55 min
